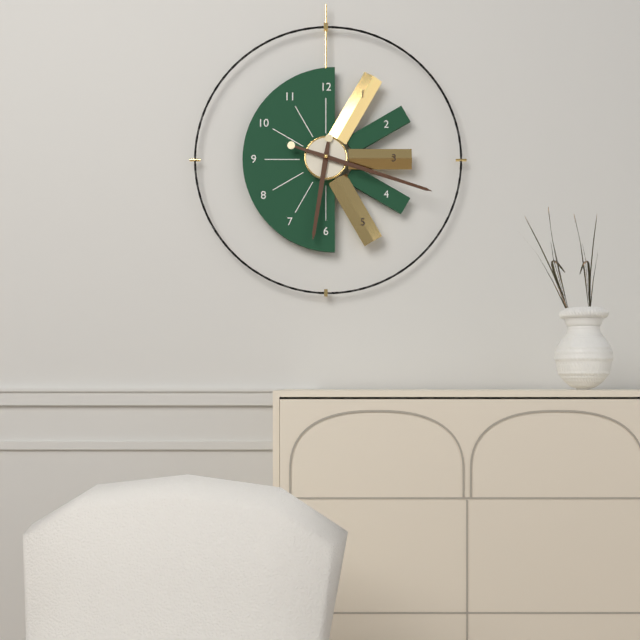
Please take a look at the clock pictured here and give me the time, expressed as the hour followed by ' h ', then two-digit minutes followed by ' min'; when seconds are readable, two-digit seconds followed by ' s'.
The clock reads 6 h 18 min
